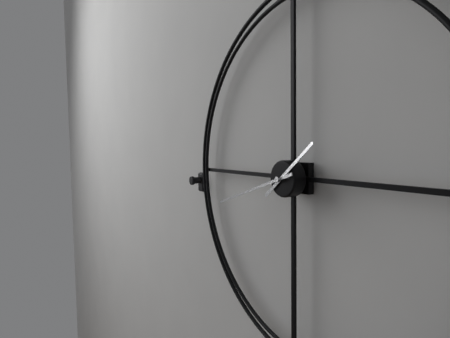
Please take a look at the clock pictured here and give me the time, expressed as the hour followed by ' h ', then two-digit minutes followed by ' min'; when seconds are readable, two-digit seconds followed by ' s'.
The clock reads 1 h 42 min
